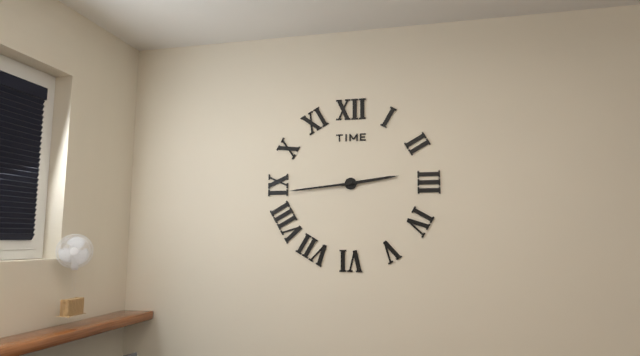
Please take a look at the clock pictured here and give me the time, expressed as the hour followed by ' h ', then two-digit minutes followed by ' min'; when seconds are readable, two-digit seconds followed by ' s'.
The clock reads 2 h 44 min
